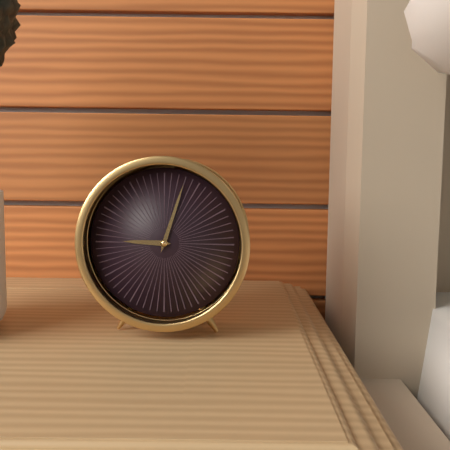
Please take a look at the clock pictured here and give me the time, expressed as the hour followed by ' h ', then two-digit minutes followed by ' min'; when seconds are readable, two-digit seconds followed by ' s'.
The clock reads 9 h 03 min
